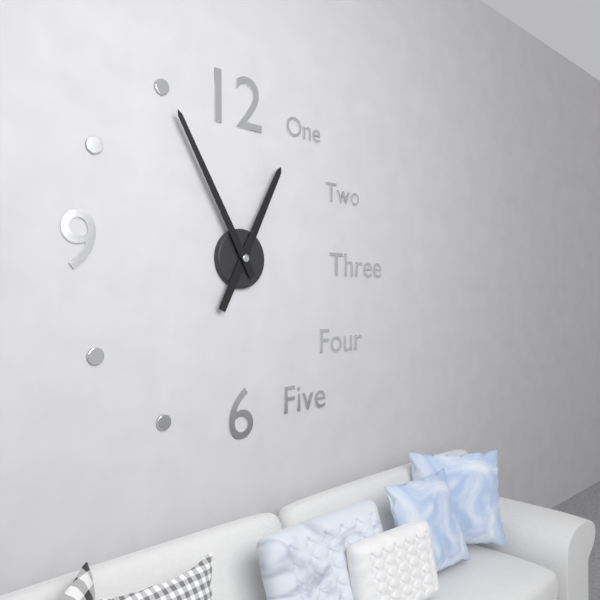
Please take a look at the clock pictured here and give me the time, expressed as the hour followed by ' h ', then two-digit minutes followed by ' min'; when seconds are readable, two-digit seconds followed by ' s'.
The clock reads 12 h 55 min
